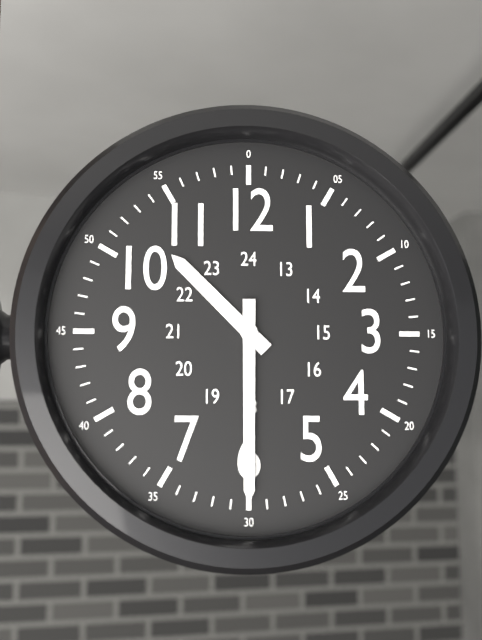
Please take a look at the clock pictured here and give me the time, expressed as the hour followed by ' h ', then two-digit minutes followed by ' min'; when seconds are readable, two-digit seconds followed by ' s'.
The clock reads 10 h 30 min
